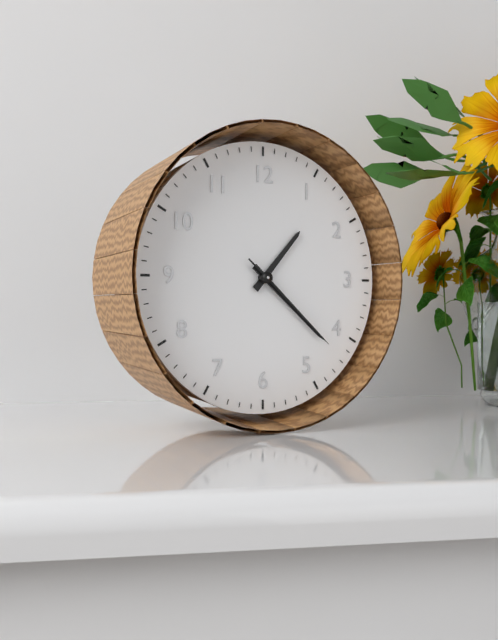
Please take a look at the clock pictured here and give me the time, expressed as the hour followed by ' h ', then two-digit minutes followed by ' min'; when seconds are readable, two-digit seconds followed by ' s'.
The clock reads 1 h 22 min 22 s
